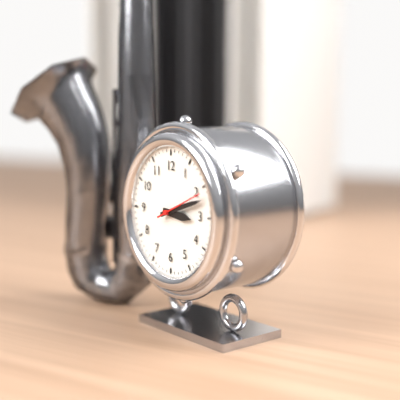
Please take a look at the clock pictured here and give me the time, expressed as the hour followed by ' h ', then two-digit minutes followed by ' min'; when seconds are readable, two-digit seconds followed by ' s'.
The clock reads 3 h 12 min
